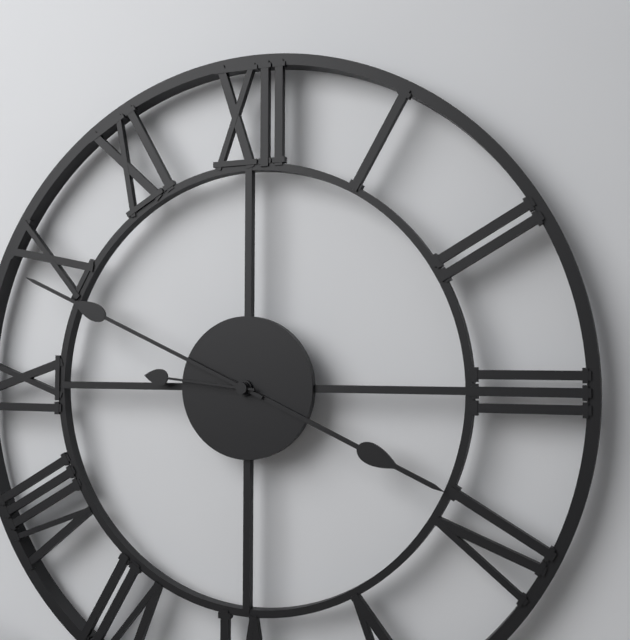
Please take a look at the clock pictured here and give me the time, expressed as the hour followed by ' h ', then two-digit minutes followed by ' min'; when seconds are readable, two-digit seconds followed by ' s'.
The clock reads 3 h 49 min 46 s
